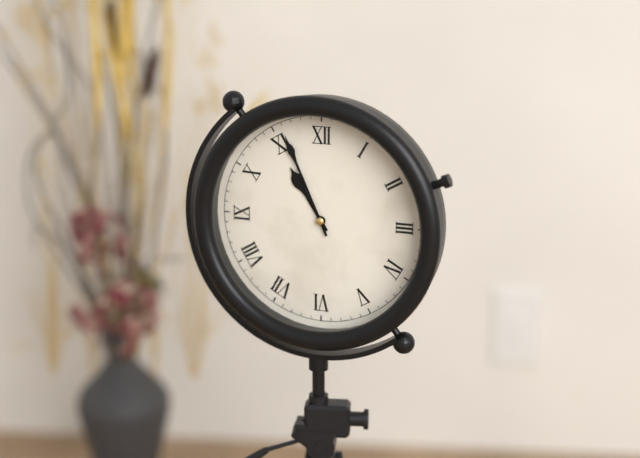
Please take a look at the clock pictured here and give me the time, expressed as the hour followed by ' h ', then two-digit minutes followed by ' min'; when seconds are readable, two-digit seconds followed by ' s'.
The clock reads 10 h 56 min
